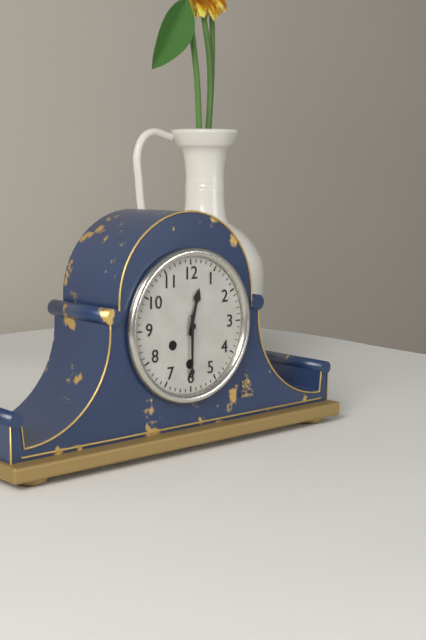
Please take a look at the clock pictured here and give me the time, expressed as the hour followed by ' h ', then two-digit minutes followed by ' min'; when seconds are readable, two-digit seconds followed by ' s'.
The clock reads 12 h 30 min
